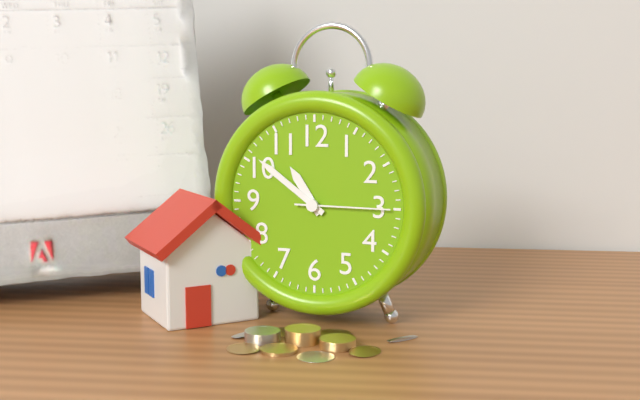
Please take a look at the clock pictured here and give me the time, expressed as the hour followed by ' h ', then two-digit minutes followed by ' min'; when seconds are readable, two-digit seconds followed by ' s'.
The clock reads 10 h 51 min 15 s
